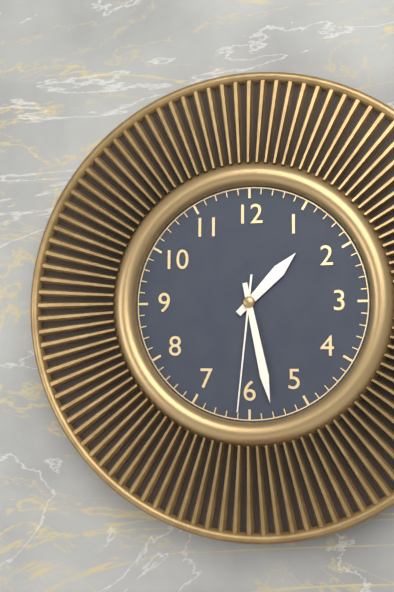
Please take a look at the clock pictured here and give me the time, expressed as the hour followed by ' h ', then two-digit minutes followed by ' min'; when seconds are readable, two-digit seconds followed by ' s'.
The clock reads 1 h 28 min 31 s
